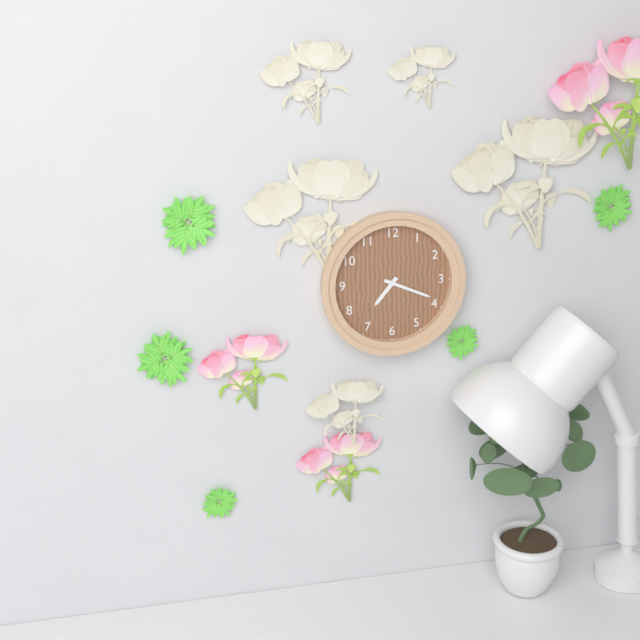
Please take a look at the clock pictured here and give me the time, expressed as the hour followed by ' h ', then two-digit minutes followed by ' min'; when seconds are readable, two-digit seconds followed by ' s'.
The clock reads 7 h 19 min
